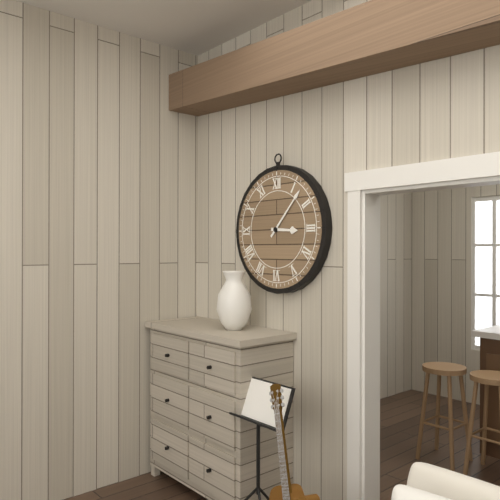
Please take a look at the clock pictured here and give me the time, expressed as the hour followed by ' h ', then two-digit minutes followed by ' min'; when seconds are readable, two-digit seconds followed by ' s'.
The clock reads 3 h 07 min
